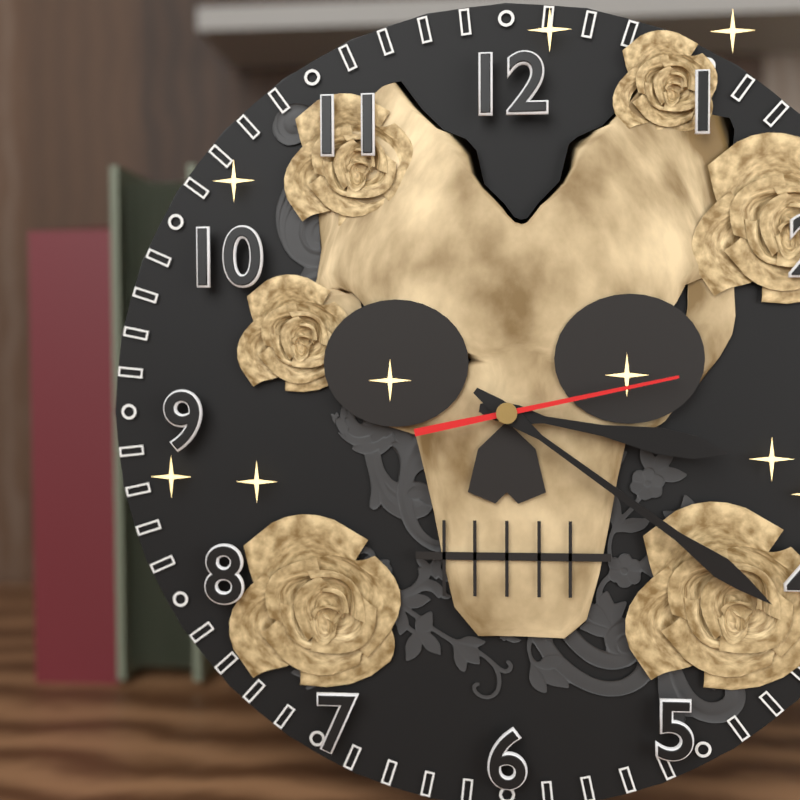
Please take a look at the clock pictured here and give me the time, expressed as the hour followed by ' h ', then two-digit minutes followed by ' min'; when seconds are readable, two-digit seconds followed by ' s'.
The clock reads 3 h 21 min 13 s
